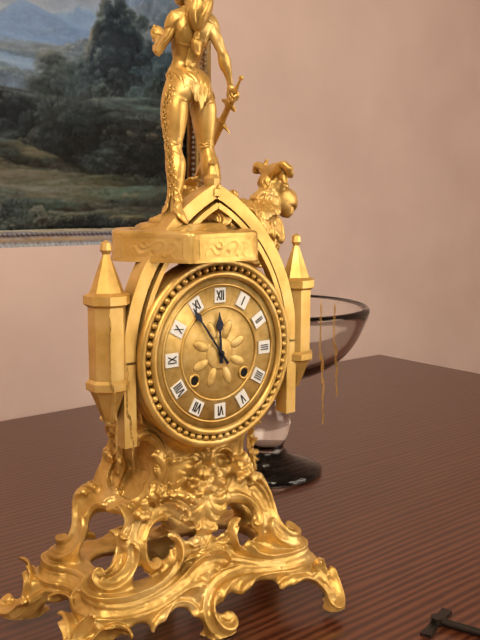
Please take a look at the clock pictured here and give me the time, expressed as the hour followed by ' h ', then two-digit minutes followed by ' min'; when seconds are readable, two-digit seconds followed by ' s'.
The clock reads 11 h 54 min
